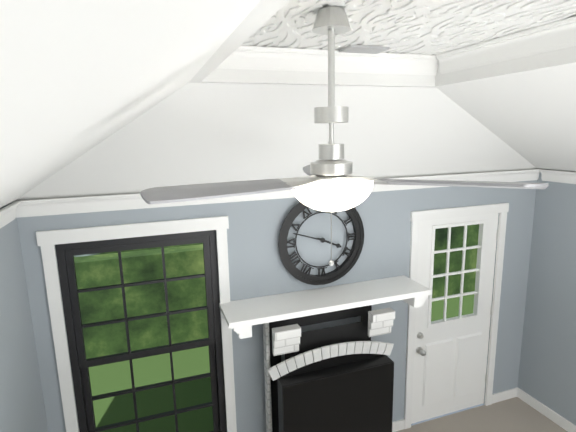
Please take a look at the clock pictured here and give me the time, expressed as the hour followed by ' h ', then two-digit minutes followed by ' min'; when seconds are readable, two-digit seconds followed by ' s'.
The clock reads 3 h 48 min
